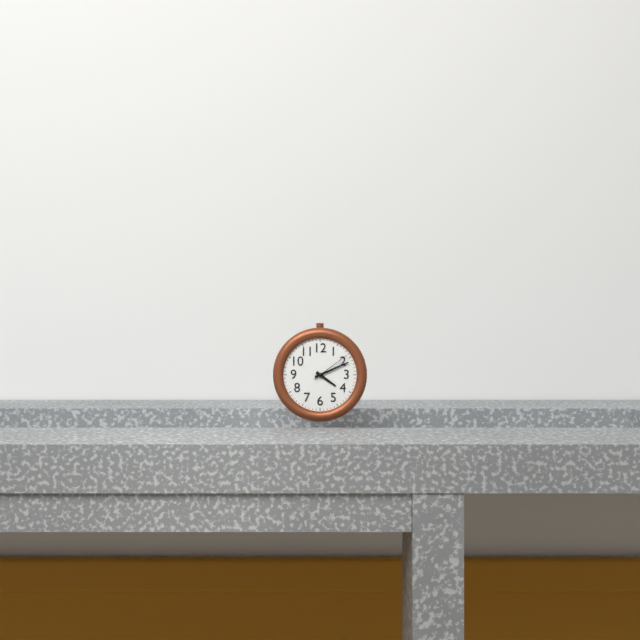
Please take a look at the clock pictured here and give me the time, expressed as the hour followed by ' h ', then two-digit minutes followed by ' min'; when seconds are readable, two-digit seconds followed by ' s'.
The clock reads 4 h 11 min
